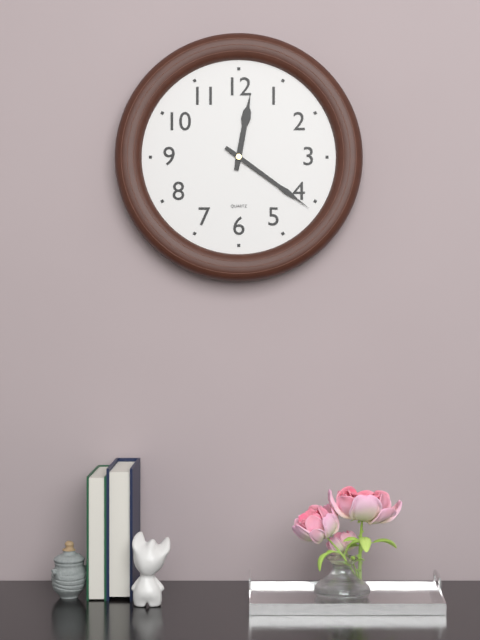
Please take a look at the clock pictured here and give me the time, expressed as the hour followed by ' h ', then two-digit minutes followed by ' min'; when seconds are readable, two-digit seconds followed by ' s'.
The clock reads 12 h 21 min
